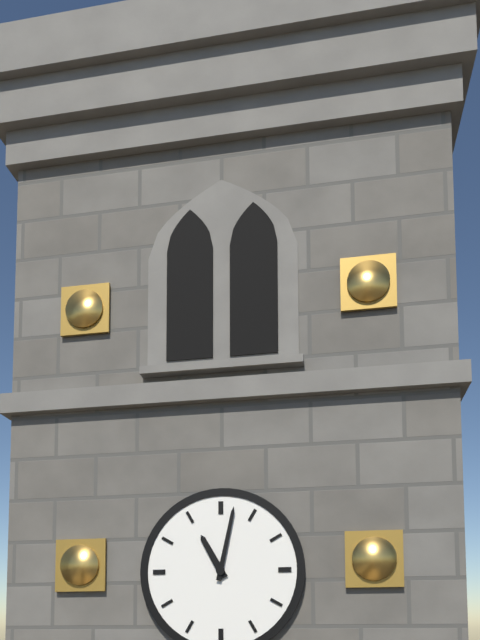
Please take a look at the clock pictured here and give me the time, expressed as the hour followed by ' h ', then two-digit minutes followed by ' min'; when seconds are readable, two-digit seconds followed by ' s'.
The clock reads 11 h 02 min
